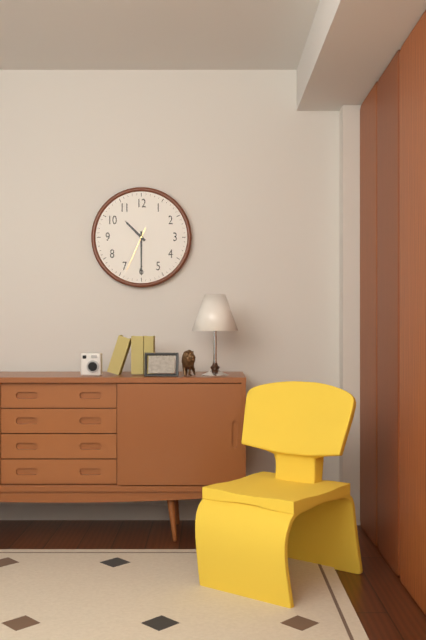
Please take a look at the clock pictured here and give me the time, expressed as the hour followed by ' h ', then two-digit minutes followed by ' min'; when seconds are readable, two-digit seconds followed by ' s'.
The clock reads 10 h 30 min
